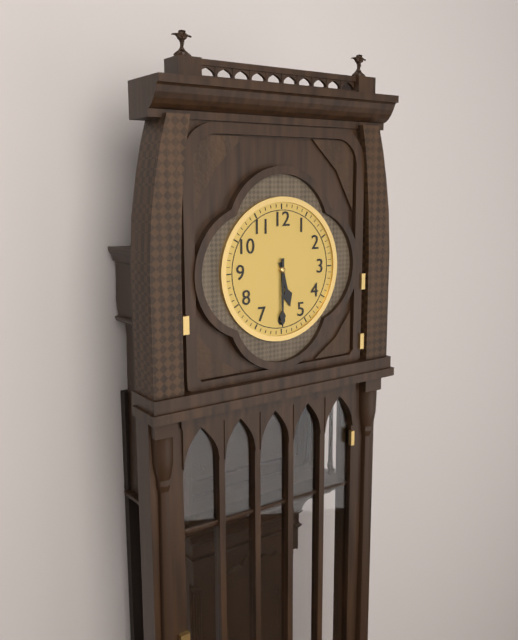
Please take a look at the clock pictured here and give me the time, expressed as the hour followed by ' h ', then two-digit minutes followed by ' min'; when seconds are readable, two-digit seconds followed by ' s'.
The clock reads 5 h 30 min
